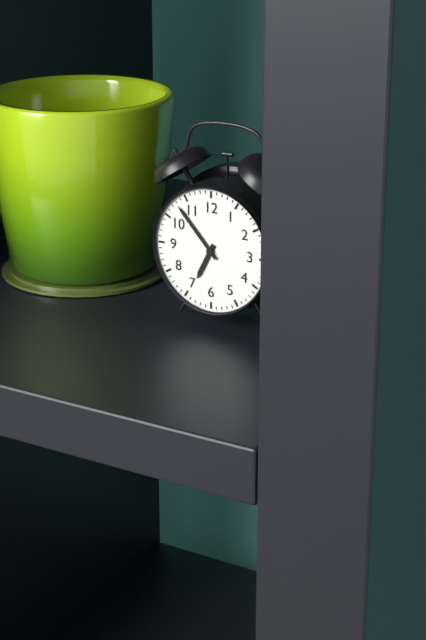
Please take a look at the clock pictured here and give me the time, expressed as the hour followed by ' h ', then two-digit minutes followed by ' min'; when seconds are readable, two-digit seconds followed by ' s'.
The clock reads 6 h 53 min
